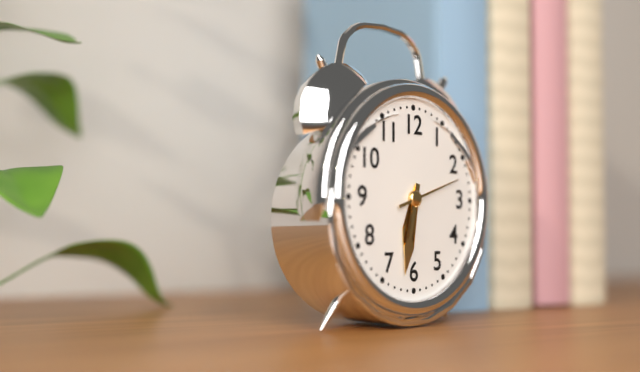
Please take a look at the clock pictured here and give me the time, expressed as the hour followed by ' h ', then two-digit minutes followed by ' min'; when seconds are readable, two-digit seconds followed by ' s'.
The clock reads 6 h 32 min 12 s
